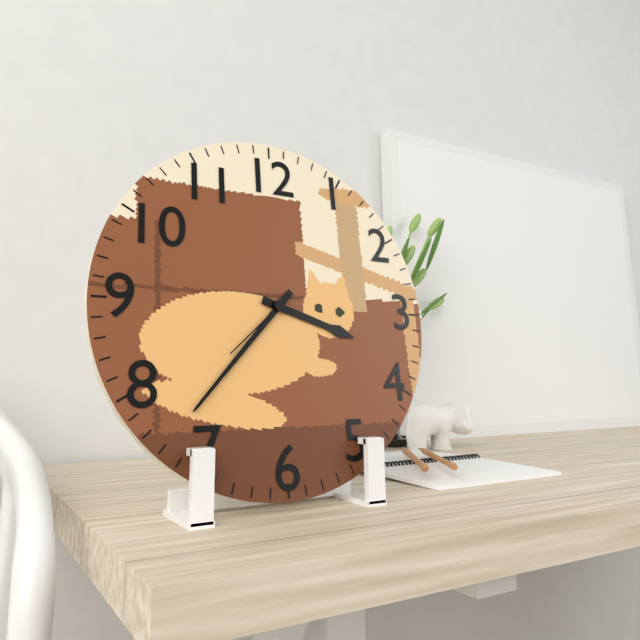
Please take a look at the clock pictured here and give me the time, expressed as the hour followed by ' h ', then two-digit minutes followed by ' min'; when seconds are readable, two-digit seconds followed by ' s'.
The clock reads 3 h 37 min 38 s
